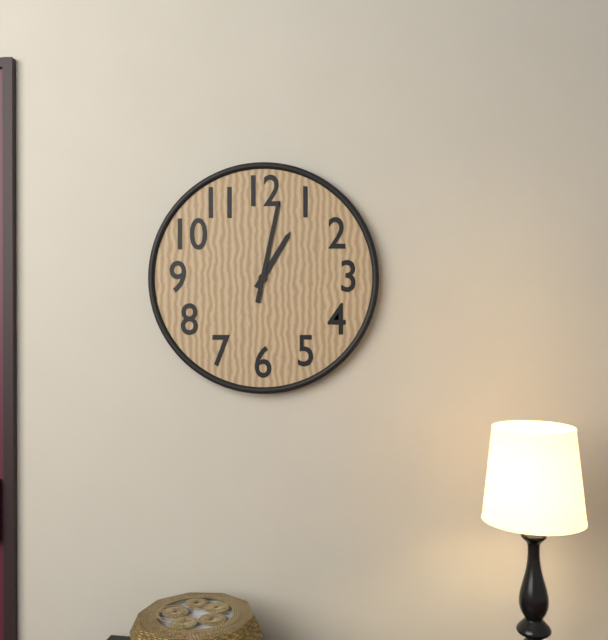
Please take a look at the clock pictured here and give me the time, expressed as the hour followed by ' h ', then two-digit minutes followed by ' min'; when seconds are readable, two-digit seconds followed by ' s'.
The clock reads 1 h 02 min
